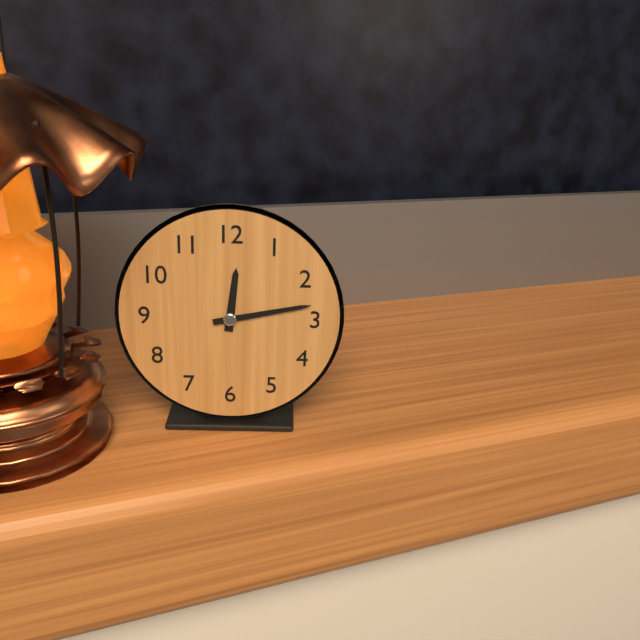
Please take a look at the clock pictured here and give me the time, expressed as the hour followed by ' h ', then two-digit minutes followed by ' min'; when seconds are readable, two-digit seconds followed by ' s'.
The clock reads 12 h 13 min
